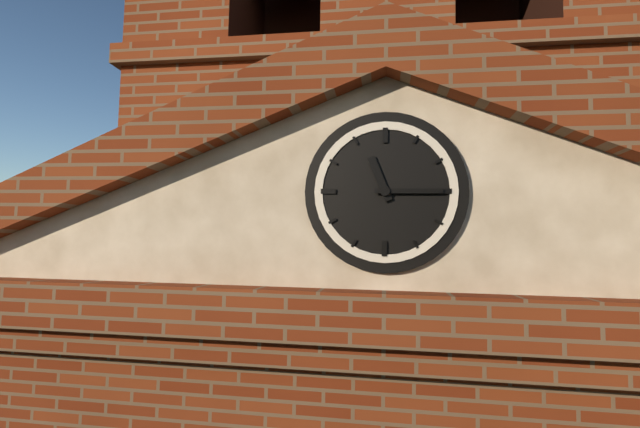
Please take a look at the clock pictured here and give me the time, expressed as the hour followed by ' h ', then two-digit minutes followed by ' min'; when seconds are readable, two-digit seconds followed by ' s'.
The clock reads 11 h 15 min
